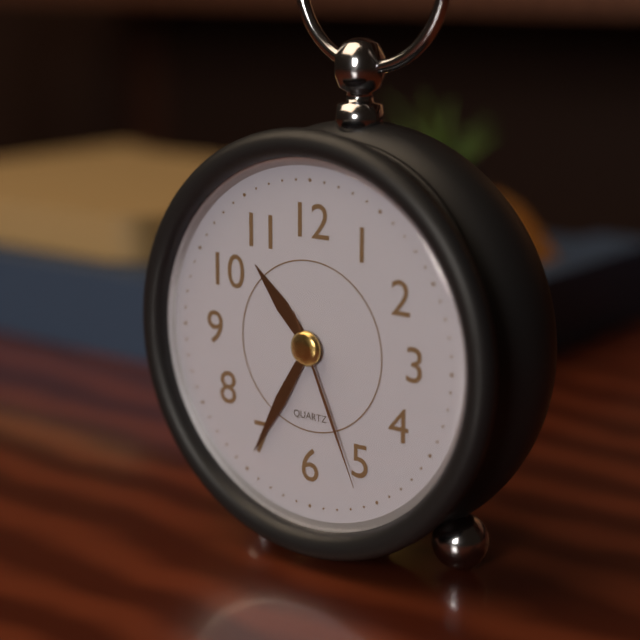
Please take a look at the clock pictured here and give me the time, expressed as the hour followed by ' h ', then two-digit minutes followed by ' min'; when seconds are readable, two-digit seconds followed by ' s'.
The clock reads 10 h 35 min 26 s
